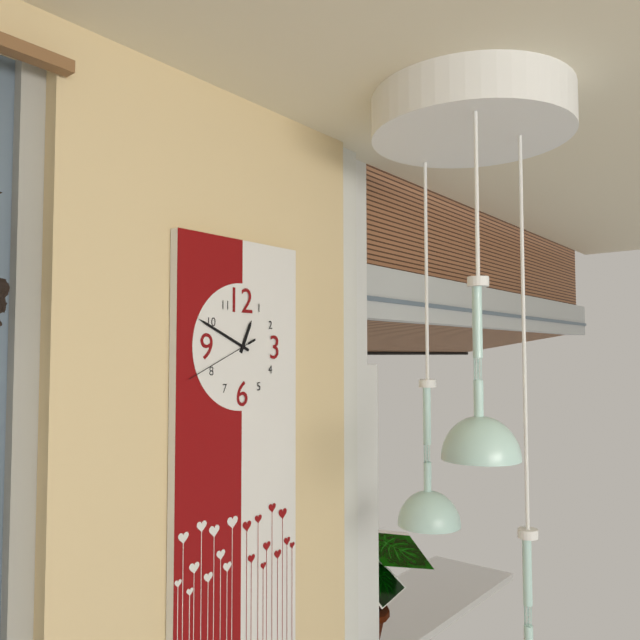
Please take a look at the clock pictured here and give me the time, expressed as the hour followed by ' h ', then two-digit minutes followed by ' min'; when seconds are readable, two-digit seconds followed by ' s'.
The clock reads 12 h 49 min 41 s
